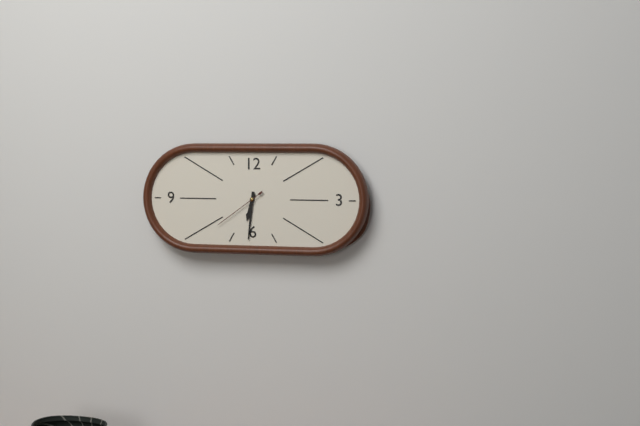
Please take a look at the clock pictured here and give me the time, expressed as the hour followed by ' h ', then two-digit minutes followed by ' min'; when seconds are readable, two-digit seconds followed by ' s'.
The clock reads 6 h 31 min 39 s
